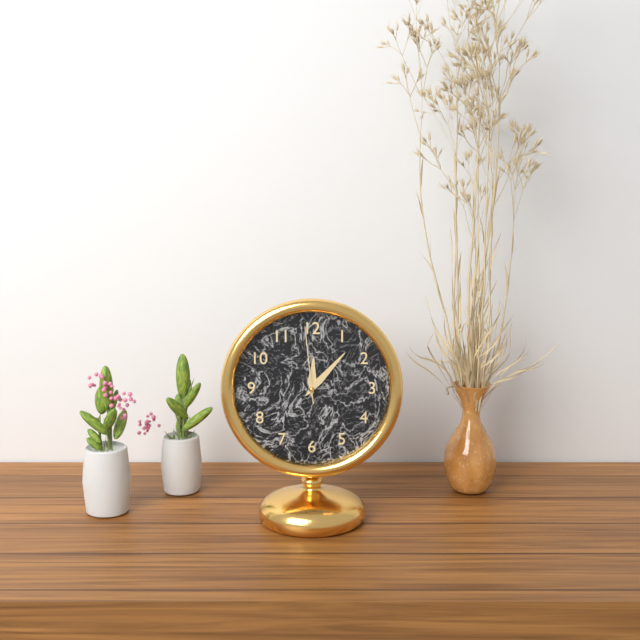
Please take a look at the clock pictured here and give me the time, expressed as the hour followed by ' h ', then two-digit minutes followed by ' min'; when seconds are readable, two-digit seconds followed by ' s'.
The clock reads 12 h 07 min 59 s
